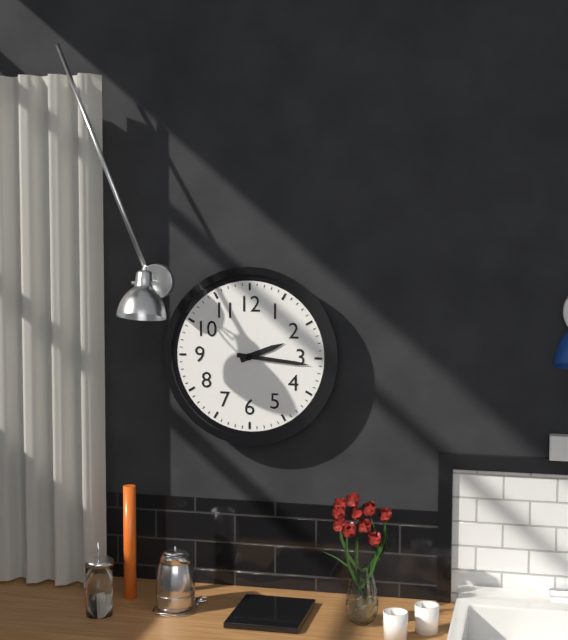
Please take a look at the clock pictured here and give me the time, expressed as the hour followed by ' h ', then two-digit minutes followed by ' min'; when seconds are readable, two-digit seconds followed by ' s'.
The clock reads 2 h 16 min
